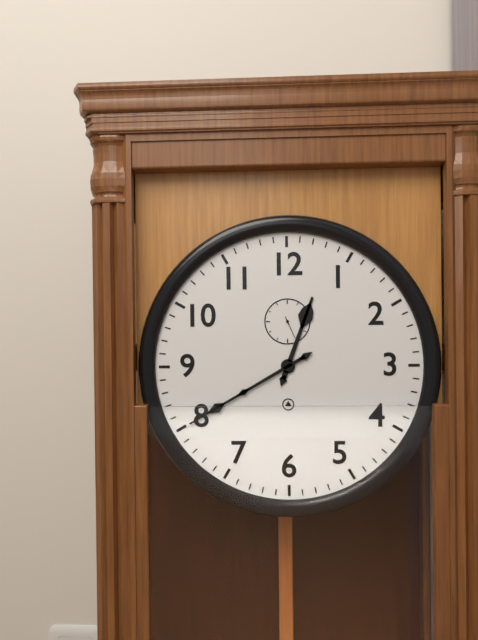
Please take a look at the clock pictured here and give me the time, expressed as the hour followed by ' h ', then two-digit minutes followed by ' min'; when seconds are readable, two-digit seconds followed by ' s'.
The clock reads 12 h 40 min
